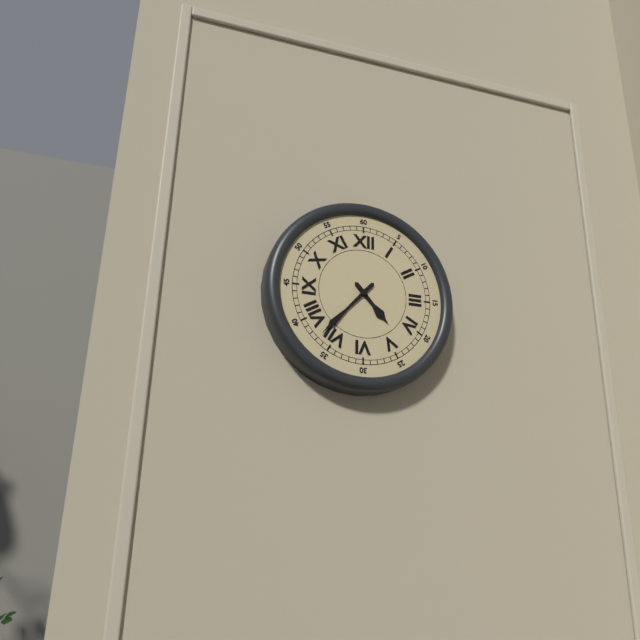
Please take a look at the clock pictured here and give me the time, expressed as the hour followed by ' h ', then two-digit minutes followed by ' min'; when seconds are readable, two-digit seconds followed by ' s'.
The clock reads 4 h 37 min
